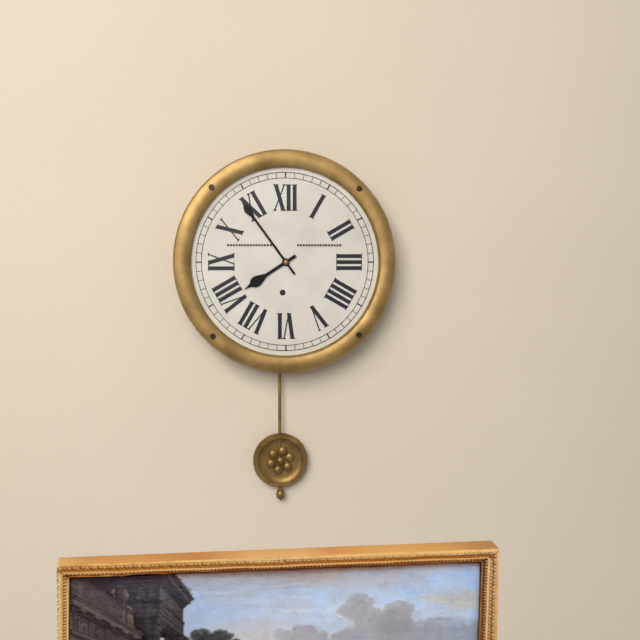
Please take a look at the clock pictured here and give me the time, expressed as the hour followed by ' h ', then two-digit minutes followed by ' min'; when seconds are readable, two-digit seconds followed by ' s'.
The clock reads 7 h 54 min
